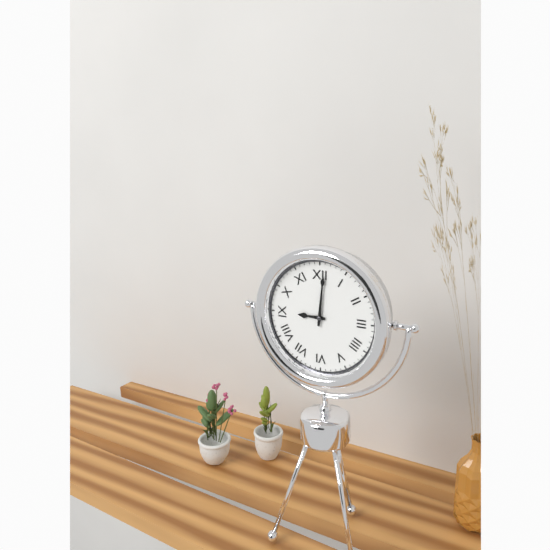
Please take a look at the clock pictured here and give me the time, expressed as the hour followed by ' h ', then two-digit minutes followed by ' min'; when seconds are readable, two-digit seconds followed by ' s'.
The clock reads 9 h 01 min
